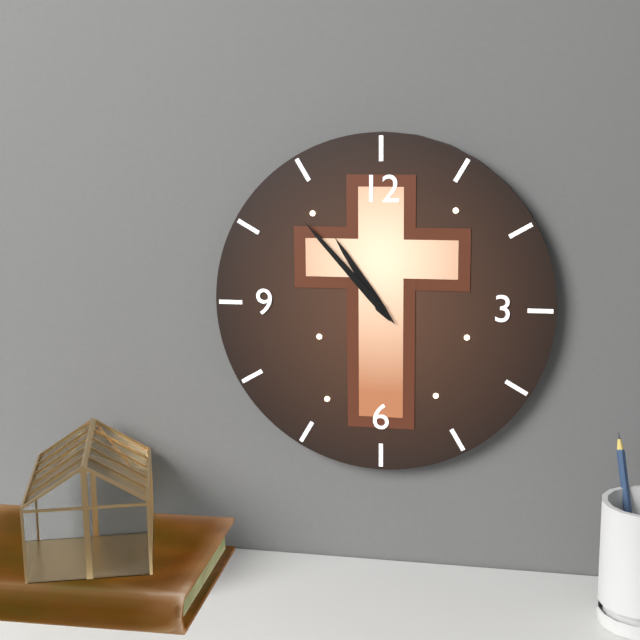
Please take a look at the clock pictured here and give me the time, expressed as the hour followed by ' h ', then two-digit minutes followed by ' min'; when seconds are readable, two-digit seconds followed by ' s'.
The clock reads 10 h 53 min
